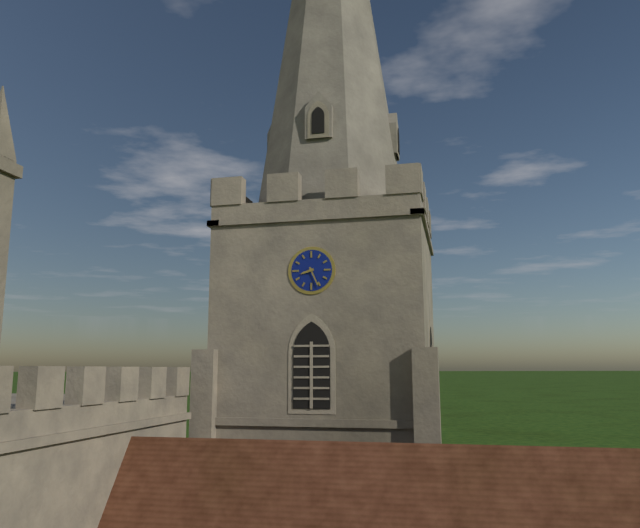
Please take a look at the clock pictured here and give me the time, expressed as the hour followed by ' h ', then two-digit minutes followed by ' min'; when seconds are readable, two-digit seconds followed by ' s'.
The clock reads 8 h 26 min
